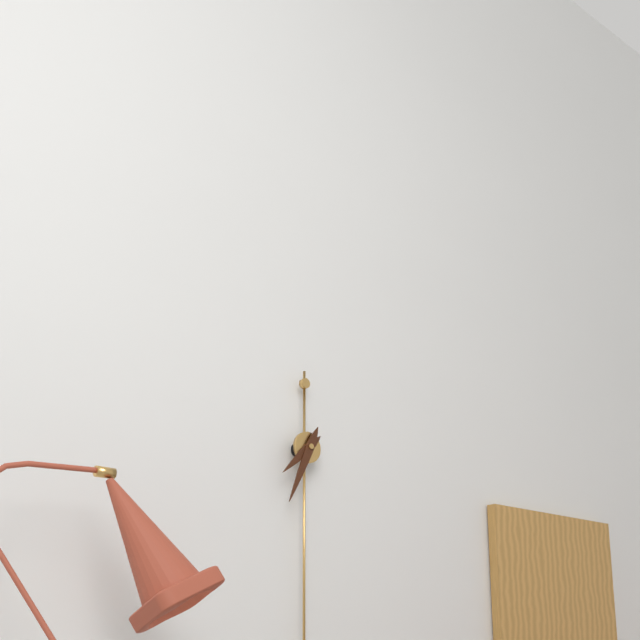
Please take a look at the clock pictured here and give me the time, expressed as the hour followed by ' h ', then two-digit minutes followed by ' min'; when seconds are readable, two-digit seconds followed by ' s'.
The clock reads 7 h 34 min
